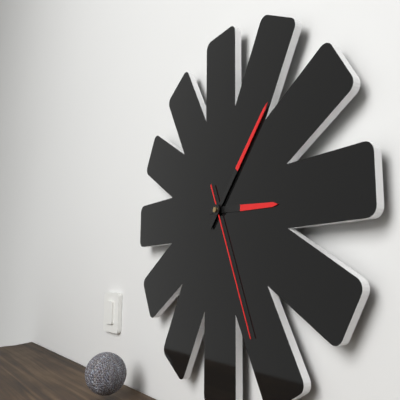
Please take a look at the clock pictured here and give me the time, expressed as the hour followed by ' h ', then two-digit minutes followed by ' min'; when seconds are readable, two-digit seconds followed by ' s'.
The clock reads 3 h 07 min 26 s
